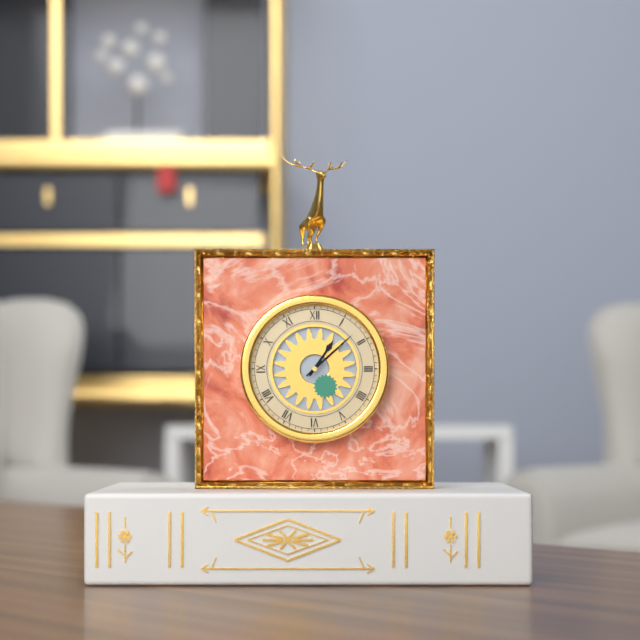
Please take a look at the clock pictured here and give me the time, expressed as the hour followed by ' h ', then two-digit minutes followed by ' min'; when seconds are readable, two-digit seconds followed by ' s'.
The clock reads 1 h 08 min
